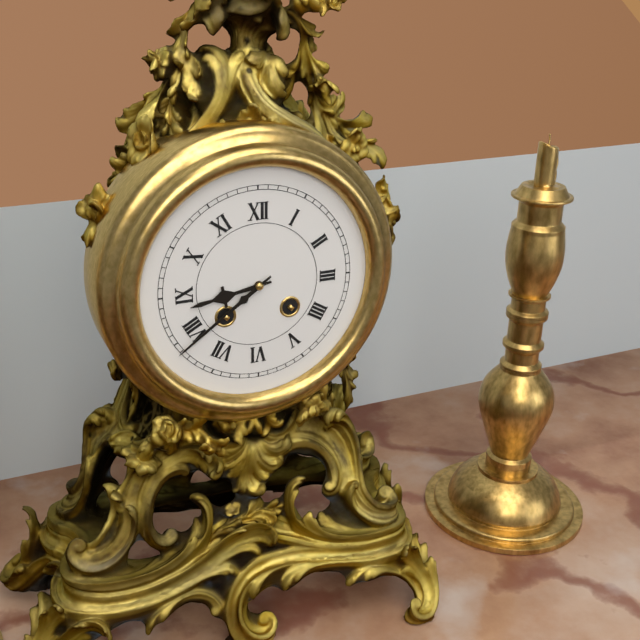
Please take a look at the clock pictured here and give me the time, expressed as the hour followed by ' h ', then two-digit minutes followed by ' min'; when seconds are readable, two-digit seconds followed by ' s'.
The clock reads 8 h 39 min
